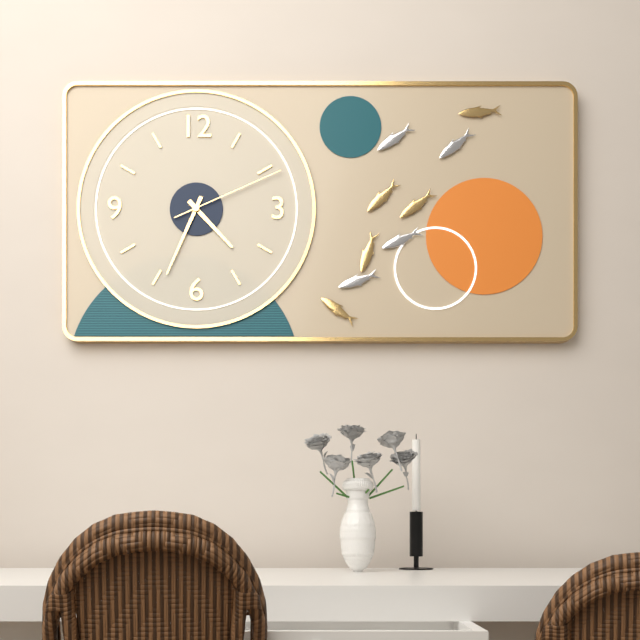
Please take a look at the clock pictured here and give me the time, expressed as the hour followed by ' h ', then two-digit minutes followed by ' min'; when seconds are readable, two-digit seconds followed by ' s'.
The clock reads 4 h 34 min 11 s
